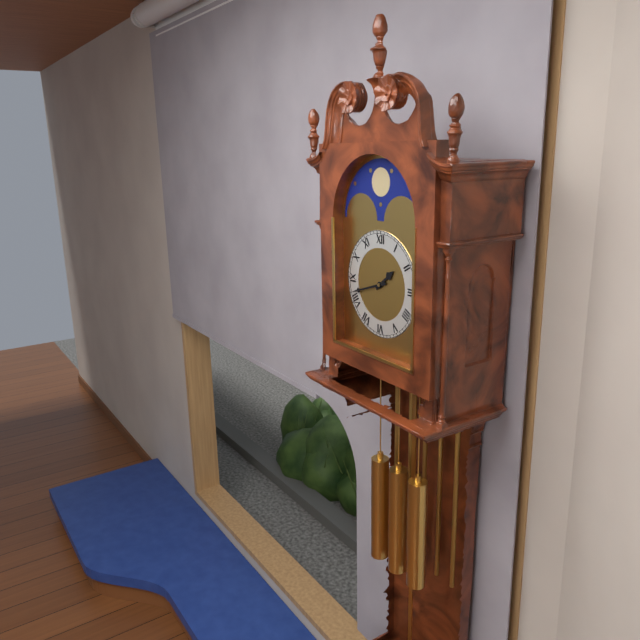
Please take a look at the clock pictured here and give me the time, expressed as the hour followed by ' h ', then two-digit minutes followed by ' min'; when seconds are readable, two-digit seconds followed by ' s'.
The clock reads 1 h 42 min
